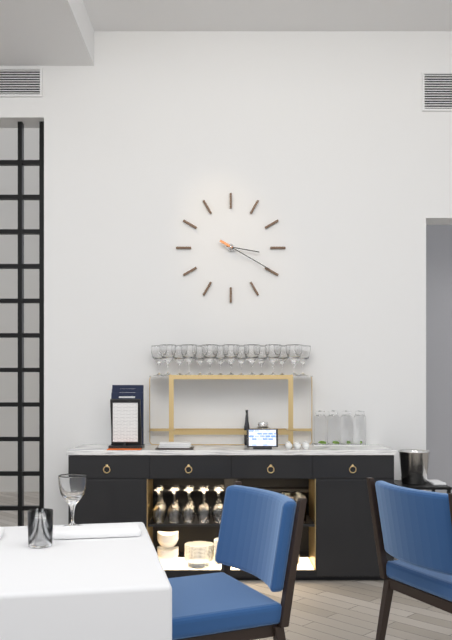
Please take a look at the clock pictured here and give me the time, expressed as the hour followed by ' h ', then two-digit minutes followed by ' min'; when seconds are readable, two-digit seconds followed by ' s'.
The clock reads 3 h 20 min
